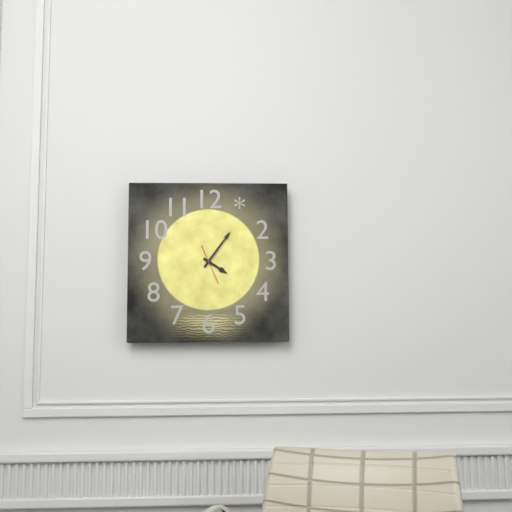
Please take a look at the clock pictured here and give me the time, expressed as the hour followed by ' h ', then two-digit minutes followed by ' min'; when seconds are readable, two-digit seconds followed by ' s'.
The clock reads 4 h 06 min
